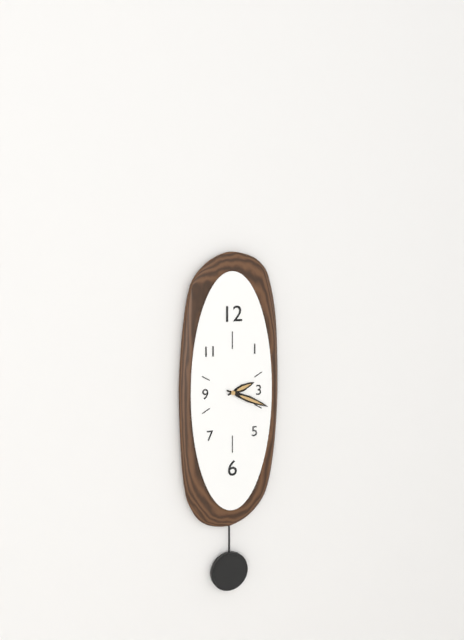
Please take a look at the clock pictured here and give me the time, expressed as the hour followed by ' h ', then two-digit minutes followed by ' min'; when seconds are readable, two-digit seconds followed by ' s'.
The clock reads 2 h 19 min
